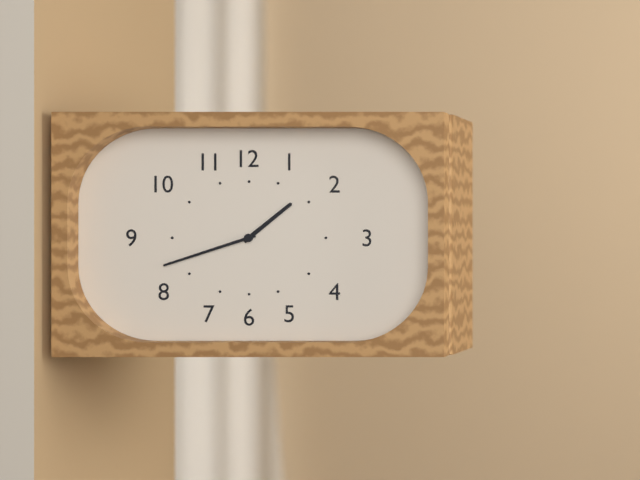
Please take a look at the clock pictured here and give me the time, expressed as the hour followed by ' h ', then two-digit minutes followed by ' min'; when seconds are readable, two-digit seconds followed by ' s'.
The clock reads 1 h 42 min
